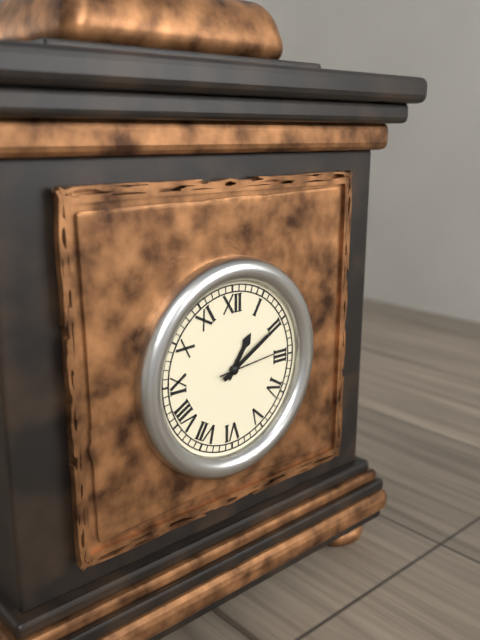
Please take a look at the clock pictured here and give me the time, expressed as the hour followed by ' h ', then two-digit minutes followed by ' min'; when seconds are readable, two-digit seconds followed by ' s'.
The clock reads 1 h 10 min 14 s
